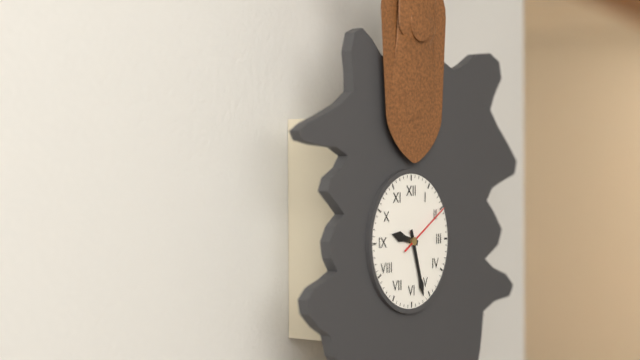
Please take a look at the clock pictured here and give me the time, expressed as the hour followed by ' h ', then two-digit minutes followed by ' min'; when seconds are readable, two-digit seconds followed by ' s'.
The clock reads 9 h 27 min 10 s
